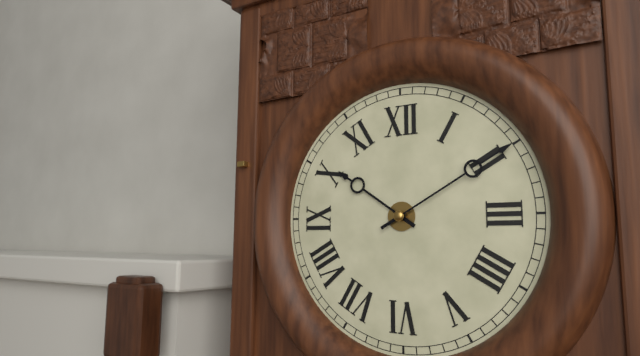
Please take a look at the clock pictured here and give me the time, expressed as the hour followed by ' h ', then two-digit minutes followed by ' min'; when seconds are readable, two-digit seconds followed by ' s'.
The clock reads 10 h 10 min
